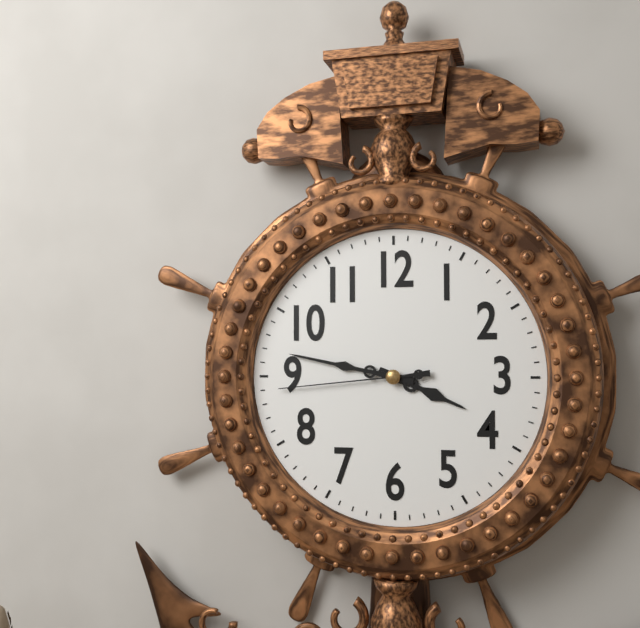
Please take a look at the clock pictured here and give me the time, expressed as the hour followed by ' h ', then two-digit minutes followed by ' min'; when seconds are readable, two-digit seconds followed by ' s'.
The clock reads 3 h 47 min 44 s
